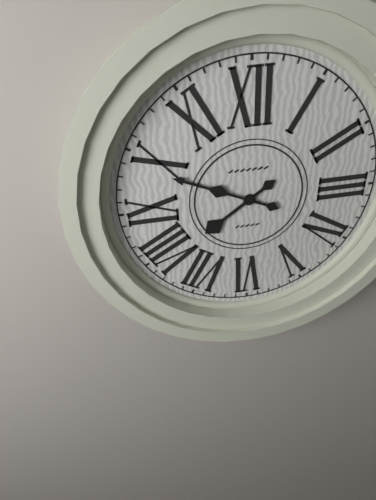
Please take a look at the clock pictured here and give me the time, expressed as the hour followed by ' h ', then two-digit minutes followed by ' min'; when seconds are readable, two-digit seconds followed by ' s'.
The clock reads 7 h 49 min
